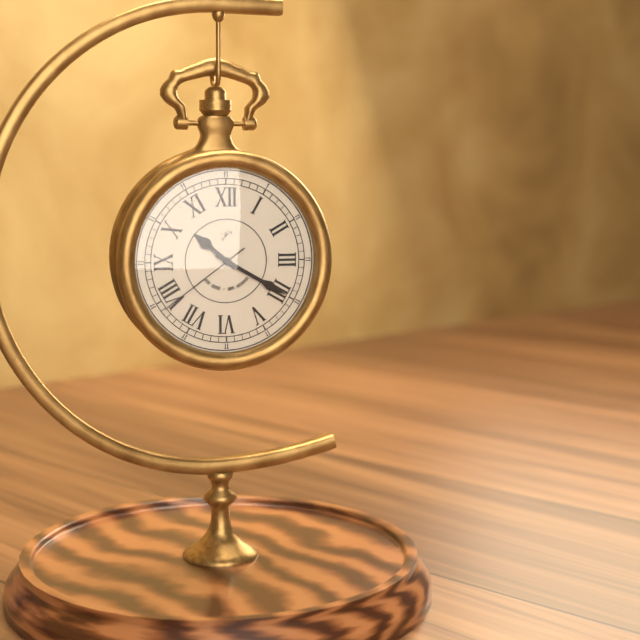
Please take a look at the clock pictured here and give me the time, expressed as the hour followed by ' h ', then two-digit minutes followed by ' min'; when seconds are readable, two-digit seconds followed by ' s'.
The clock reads 10 h 20 min 39 s
